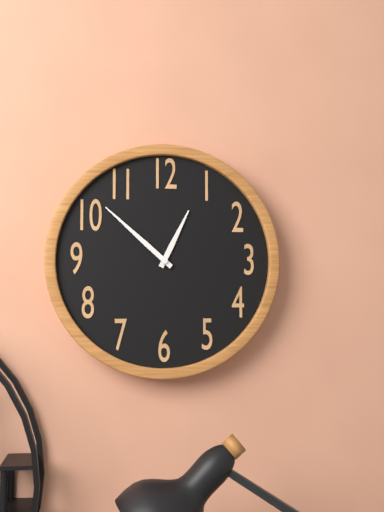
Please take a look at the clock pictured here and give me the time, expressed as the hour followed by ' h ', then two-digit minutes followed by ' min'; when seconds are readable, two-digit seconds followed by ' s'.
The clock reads 12 h 52 min
